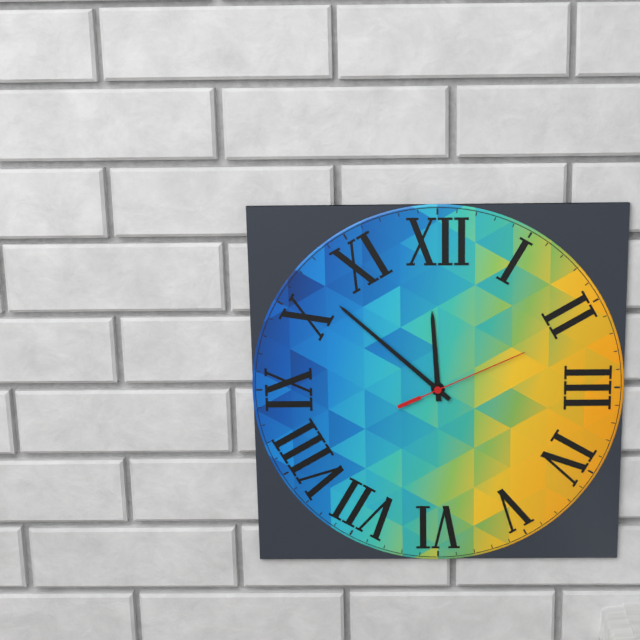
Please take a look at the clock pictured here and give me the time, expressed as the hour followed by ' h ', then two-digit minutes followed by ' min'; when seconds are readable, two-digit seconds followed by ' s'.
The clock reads 11 h 52 min 11 s
